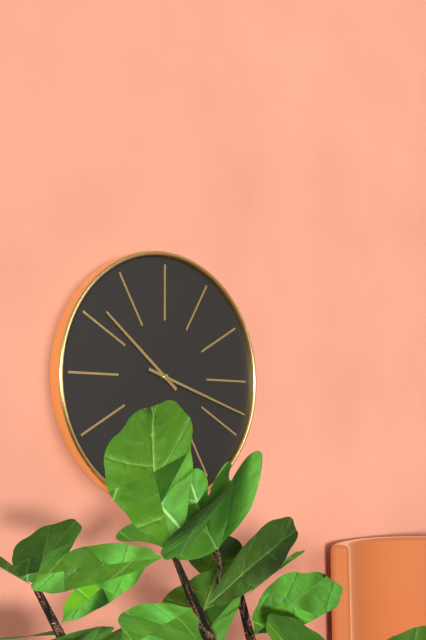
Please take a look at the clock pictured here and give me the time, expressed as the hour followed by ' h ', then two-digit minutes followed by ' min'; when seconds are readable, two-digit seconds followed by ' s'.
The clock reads 10 h 18 min
